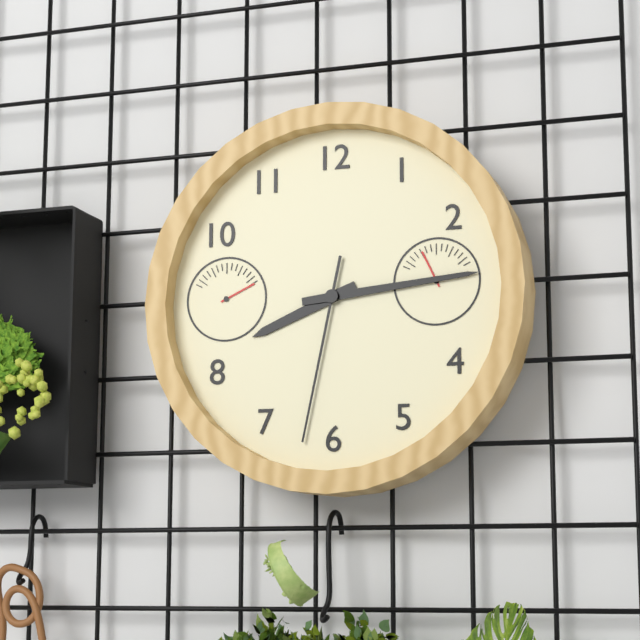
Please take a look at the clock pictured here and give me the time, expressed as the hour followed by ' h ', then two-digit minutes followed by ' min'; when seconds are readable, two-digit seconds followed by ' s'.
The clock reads 8 h 14 min 32 s
